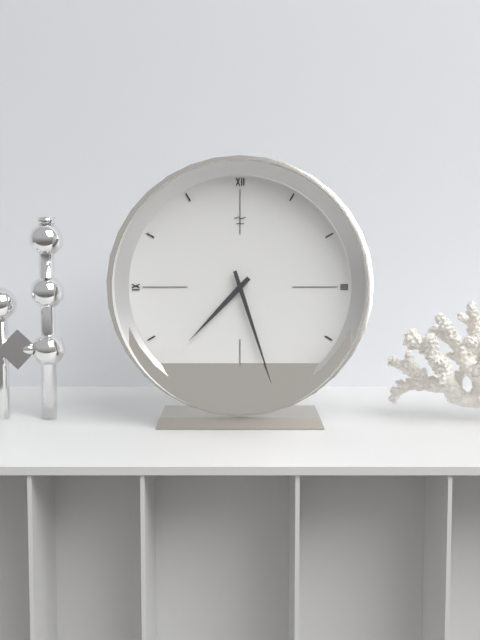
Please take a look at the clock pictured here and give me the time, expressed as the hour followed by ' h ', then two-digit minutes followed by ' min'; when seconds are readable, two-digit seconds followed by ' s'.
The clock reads 7 h 27 min
